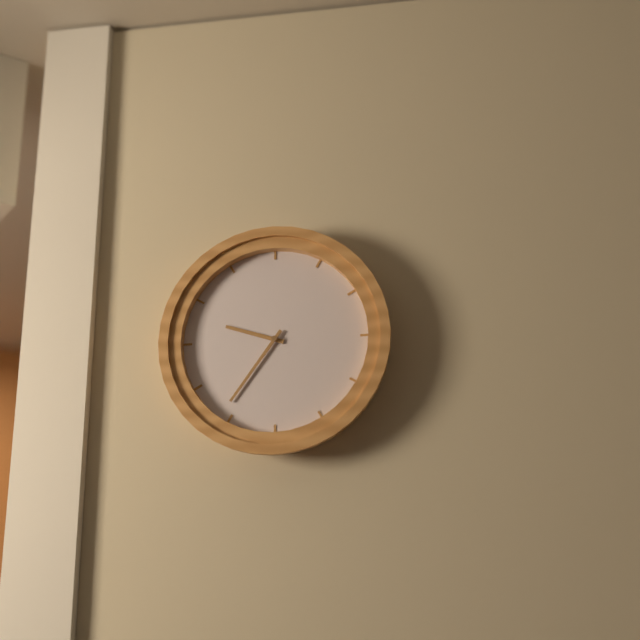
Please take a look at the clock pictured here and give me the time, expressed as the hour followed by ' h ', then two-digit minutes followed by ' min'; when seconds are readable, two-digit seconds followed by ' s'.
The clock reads 9 h 36 min
